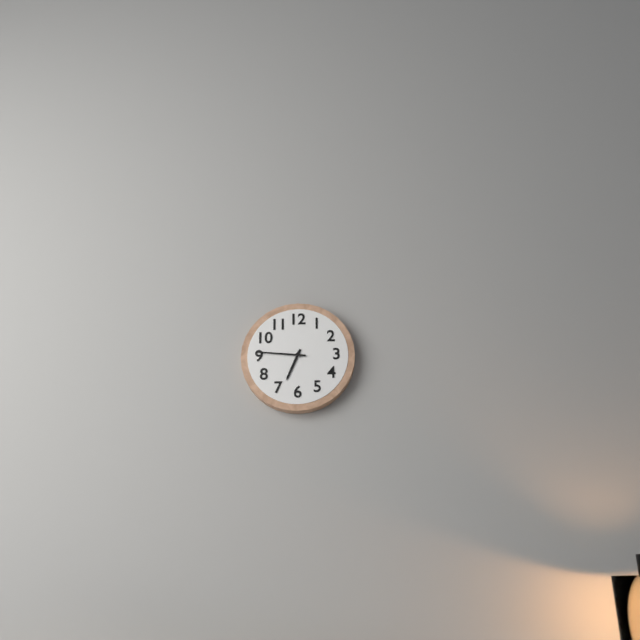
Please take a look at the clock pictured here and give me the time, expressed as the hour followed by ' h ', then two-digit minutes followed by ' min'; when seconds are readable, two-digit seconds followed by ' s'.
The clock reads 6 h 46 min
